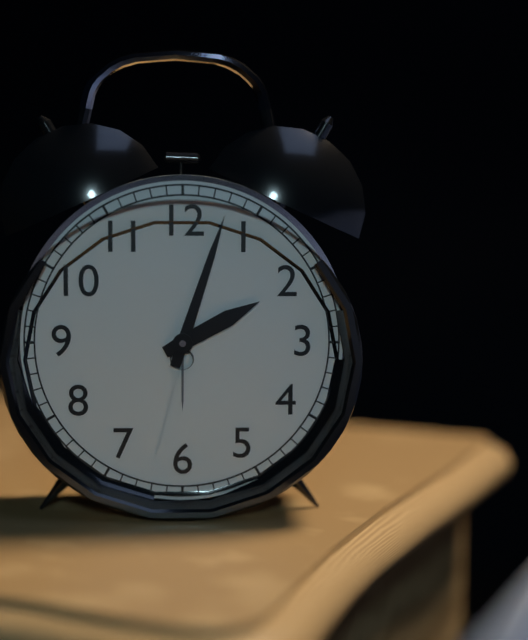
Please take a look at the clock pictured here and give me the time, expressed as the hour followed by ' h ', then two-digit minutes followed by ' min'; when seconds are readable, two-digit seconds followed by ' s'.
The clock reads 2 h 03 min
